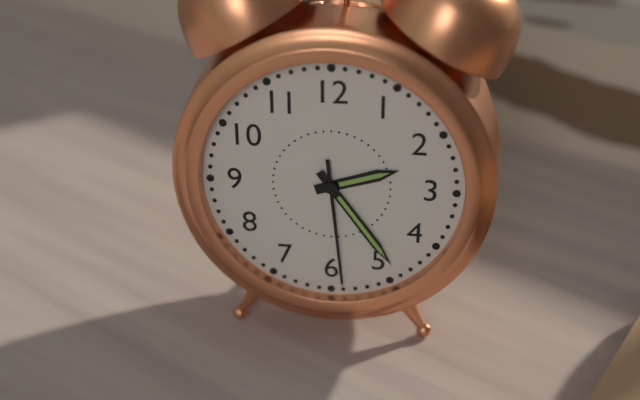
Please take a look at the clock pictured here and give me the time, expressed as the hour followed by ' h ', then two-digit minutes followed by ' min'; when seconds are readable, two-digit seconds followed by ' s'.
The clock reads 2 h 24 min 29 s
